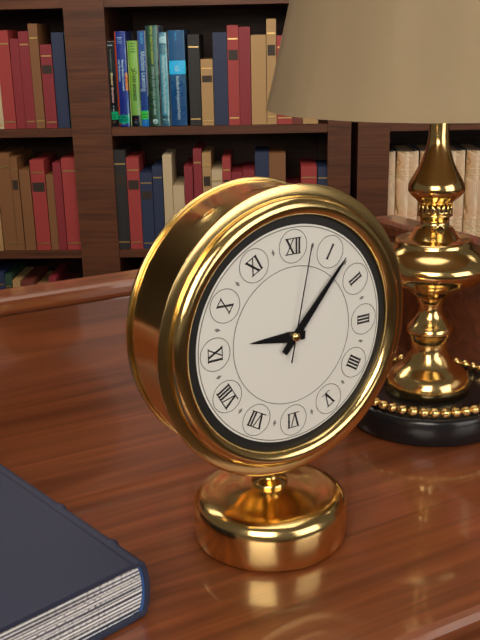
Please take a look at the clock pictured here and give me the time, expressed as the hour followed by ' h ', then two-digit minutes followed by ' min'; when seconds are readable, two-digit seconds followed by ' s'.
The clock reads 9 h 07 min 02 s
